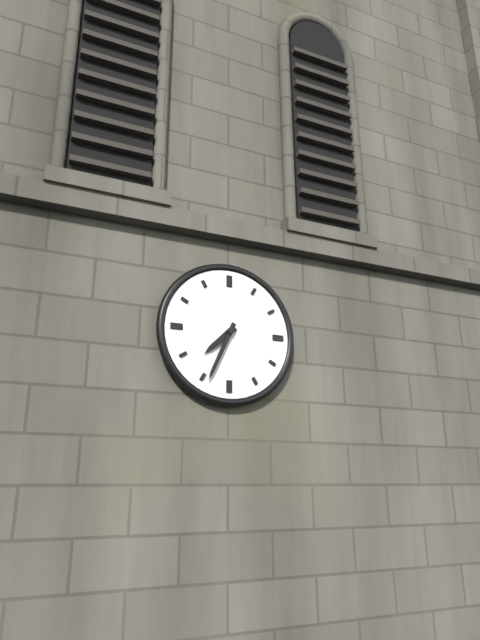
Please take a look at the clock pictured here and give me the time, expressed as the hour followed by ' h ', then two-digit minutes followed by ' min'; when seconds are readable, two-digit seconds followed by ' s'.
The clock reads 7 h 34 min
